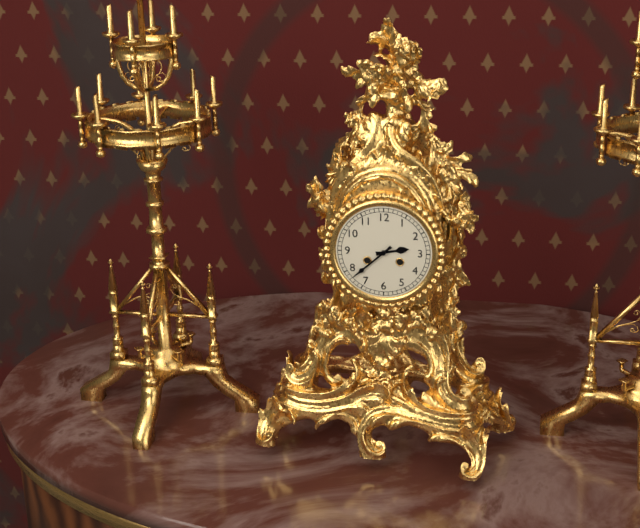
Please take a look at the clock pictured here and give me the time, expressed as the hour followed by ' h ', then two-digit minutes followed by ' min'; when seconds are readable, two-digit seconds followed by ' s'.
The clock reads 2 h 38 min
